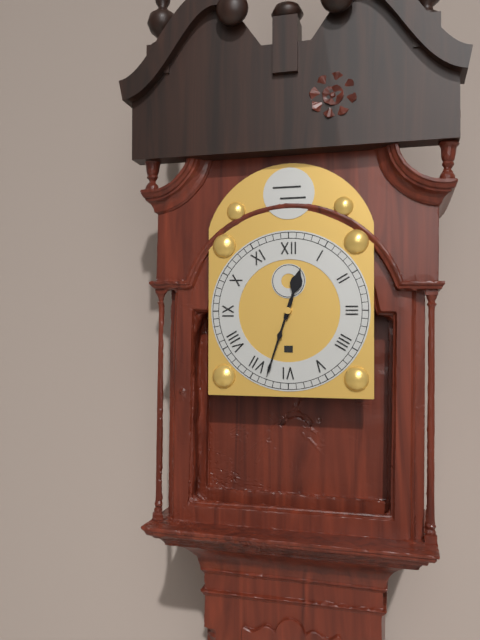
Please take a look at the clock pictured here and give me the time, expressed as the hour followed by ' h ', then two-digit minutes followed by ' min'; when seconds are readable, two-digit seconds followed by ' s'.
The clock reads 12 h 33 min
